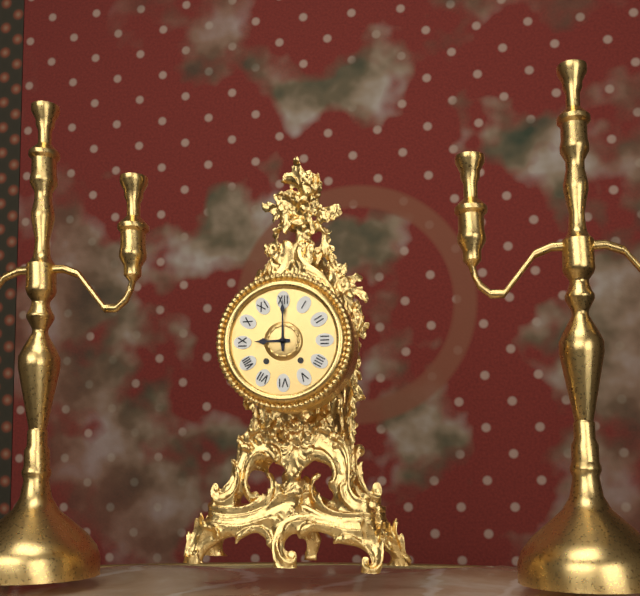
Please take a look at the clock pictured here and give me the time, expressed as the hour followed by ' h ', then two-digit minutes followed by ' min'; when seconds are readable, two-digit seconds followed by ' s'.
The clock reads 9 h 00 min
